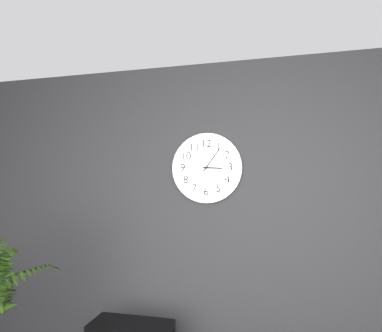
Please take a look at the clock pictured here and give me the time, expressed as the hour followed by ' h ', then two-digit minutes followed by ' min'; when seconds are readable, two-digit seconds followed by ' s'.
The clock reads 3 h 06 min
